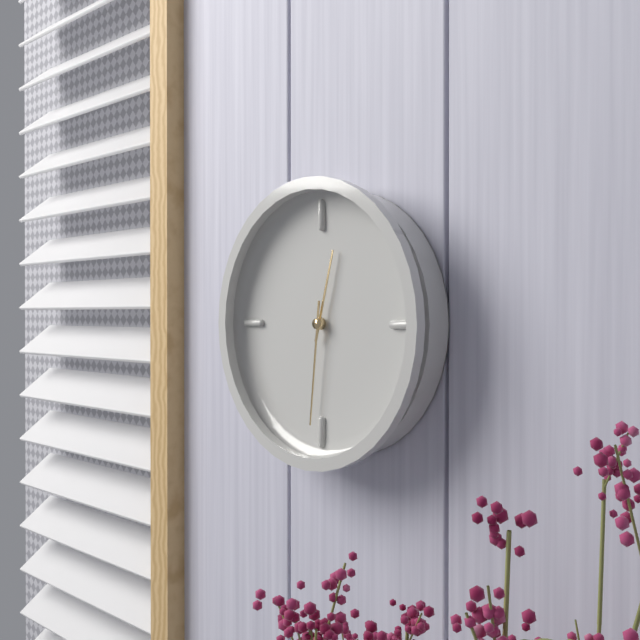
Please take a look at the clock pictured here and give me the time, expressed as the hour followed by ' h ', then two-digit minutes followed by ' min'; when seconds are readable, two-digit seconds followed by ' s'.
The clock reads 12 h 31 min
